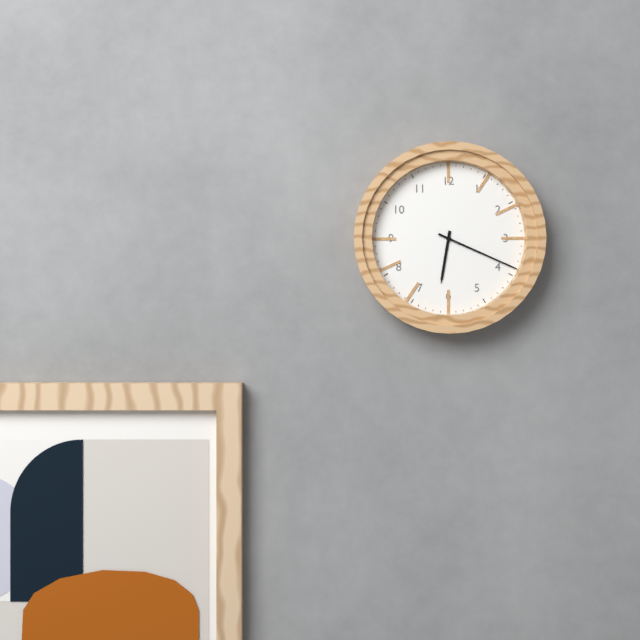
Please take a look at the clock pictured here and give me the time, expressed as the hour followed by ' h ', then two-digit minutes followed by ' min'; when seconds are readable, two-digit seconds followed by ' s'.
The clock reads 6 h 19 min
